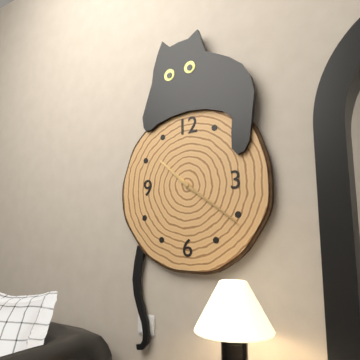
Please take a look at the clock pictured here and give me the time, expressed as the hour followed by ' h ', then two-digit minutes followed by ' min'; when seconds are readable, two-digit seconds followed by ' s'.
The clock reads 10 h 21 min
